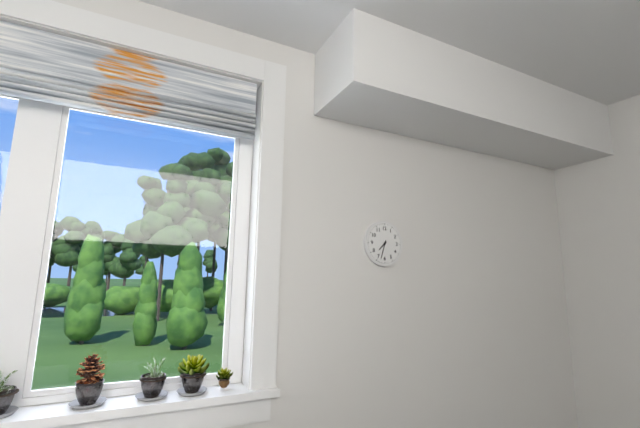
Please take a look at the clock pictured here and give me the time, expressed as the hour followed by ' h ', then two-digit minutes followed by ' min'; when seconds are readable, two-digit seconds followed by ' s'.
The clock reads 7 h 33 min
